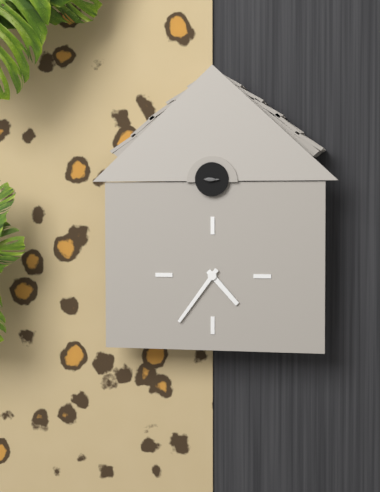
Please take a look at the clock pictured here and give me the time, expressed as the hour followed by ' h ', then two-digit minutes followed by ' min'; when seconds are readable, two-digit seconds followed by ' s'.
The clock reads 4 h 36 min
